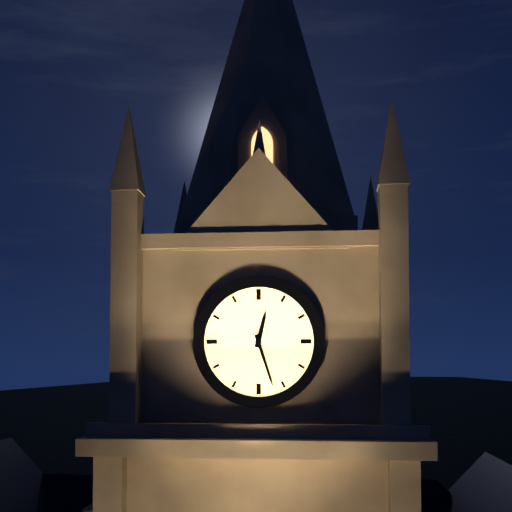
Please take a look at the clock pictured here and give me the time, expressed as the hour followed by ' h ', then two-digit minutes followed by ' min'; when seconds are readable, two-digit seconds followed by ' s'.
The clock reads 12 h 27 min
